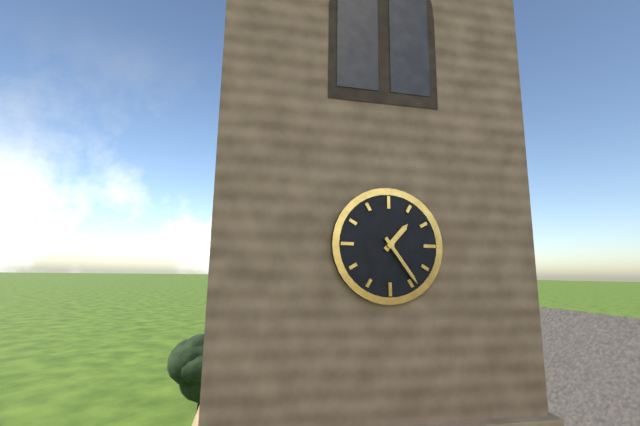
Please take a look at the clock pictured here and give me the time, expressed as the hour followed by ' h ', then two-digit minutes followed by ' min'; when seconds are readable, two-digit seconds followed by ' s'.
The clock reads 1 h 24 min
